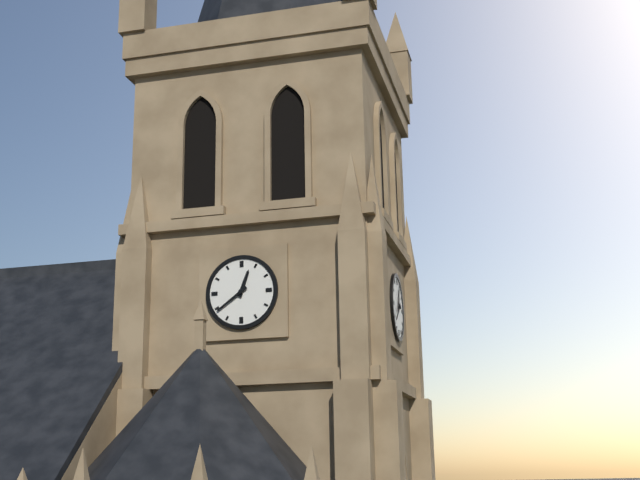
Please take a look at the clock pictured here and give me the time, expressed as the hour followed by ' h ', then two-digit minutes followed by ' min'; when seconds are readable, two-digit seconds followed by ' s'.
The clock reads 12 h 39 min
